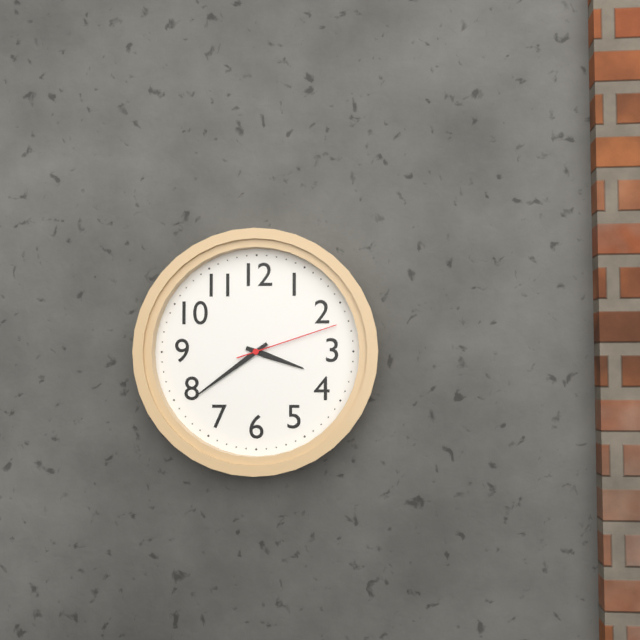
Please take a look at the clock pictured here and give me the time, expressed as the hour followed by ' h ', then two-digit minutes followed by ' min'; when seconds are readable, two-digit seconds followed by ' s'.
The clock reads 3 h 39 min 12 s
